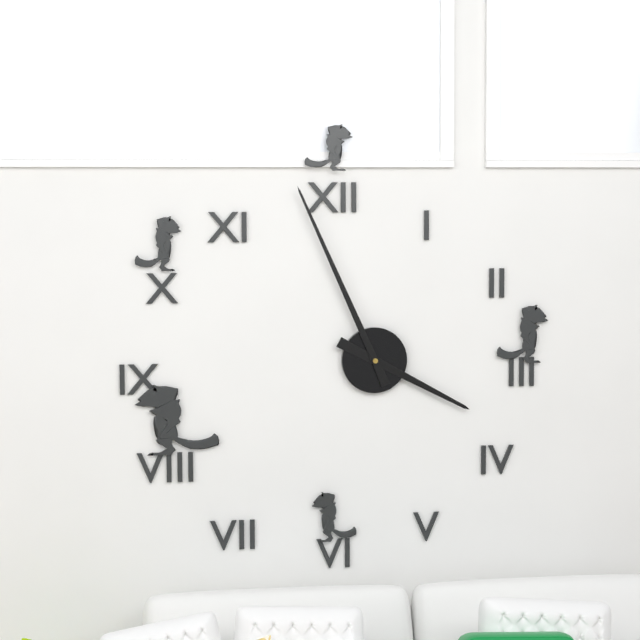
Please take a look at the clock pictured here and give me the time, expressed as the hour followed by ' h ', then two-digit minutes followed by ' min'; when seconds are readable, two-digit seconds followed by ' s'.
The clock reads 3 h 56 min
